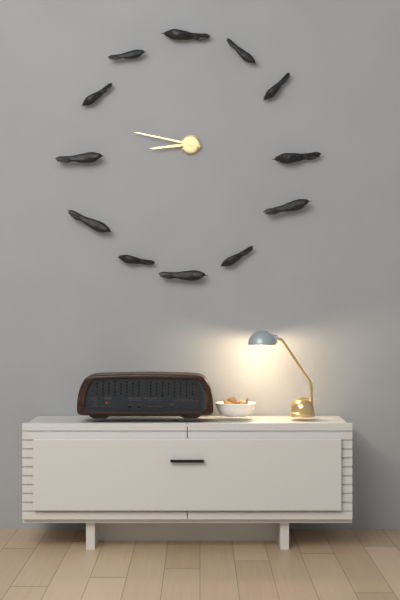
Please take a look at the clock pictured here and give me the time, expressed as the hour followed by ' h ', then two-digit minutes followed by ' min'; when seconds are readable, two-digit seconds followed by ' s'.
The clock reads 8 h 47 min
